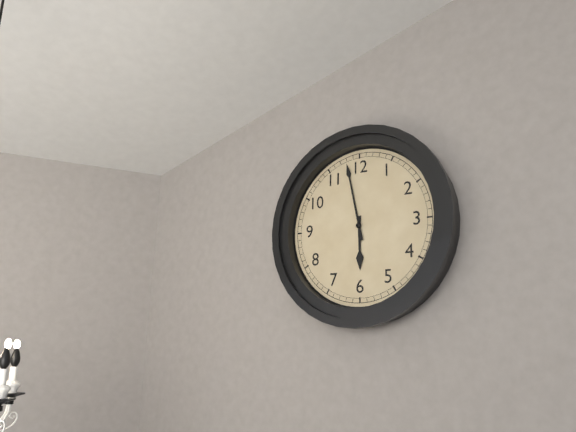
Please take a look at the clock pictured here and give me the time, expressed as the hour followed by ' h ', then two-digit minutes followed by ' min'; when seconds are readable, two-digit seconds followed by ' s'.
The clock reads 5 h 58 min
